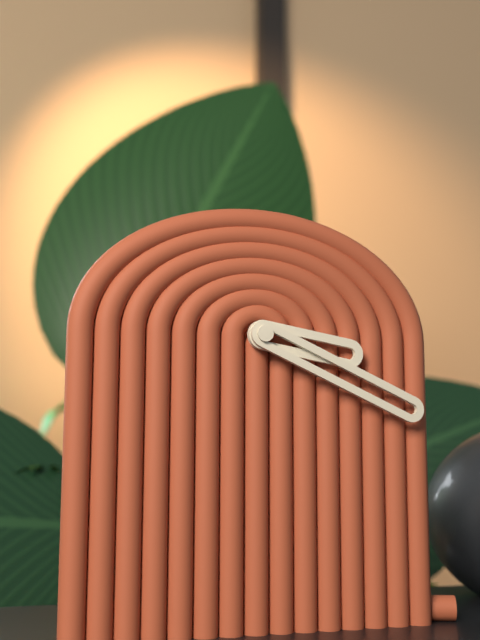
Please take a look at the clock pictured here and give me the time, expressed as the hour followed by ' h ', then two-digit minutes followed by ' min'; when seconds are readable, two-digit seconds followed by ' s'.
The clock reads 3 h 19 min
